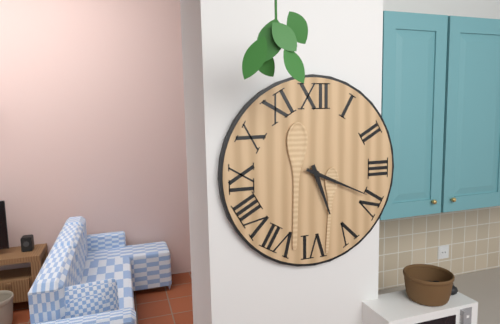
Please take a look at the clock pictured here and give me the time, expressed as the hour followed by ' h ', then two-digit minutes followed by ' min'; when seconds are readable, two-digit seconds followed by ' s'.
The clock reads 5 h 19 min
